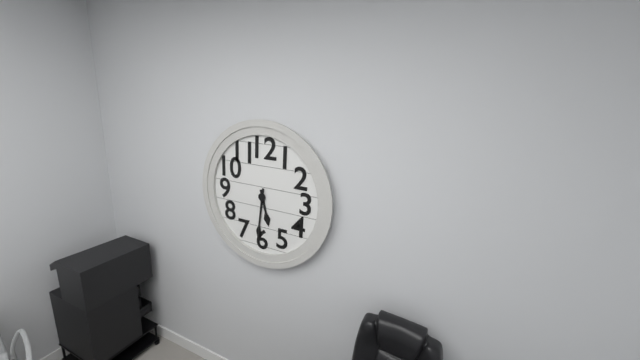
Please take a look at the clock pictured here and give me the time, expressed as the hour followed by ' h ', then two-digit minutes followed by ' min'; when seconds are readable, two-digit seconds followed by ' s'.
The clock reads 5 h 31 min
